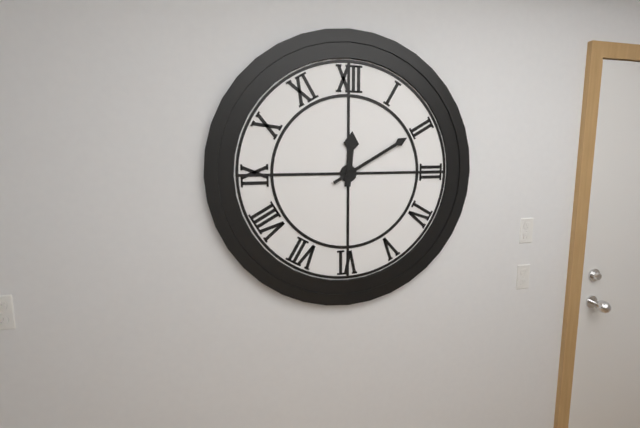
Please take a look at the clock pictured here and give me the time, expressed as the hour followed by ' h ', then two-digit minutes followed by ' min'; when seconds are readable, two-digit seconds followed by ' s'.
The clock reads 12 h 10 min
